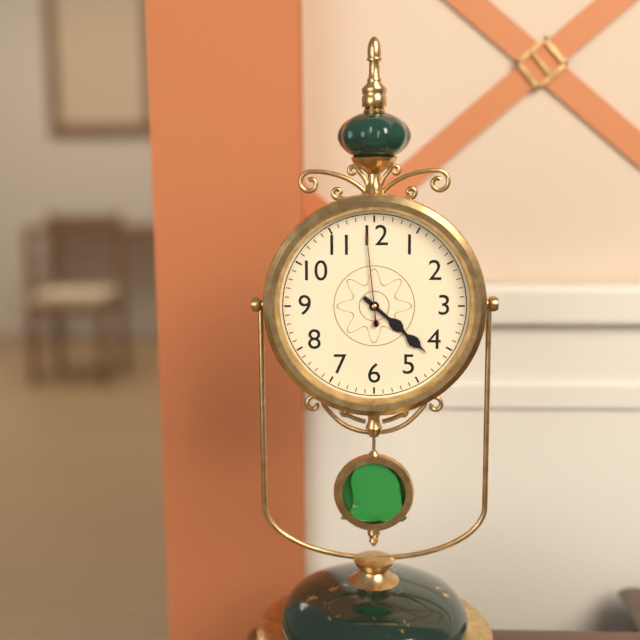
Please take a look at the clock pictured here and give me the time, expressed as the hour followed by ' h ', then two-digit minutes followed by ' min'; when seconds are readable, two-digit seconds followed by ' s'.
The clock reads 4 h 22 min 59 s
